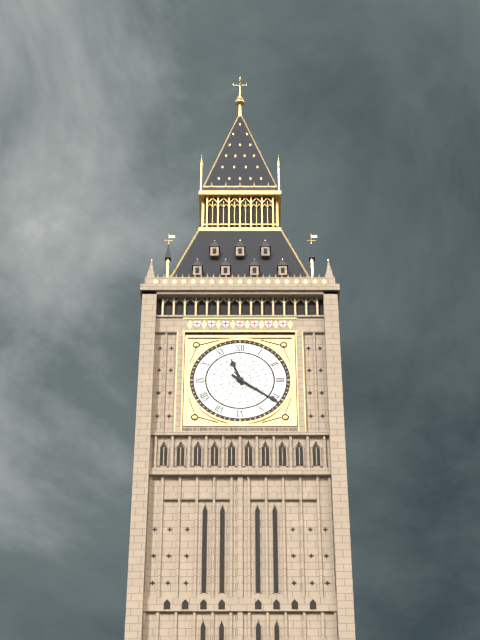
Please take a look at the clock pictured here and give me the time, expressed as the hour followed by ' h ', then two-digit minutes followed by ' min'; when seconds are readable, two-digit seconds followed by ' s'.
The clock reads 11 h 21 min
